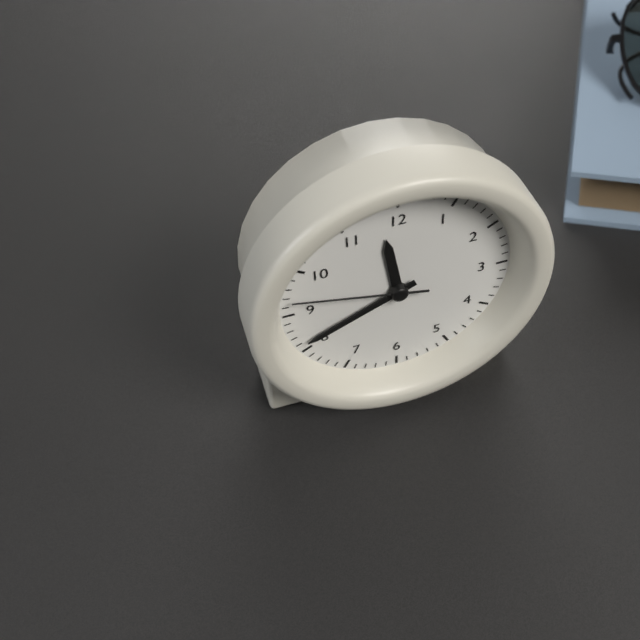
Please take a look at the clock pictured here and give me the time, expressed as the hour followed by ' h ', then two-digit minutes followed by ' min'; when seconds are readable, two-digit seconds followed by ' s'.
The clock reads 11 h 41 min 47 s
